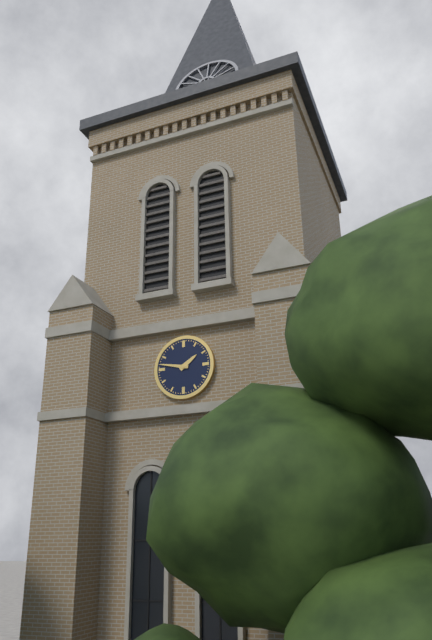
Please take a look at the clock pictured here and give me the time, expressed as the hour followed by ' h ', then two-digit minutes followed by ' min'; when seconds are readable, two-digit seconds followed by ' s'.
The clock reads 1 h 47 min
